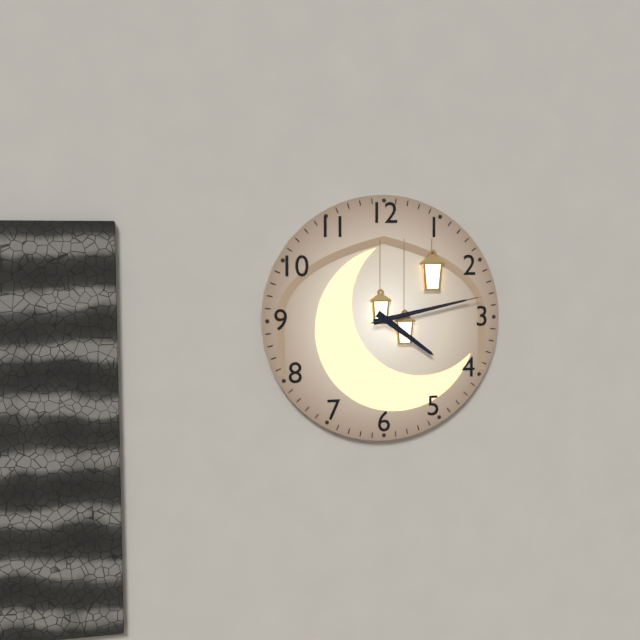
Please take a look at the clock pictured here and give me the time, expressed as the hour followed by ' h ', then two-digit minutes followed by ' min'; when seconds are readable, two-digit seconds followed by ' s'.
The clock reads 4 h 13 min 13 s
